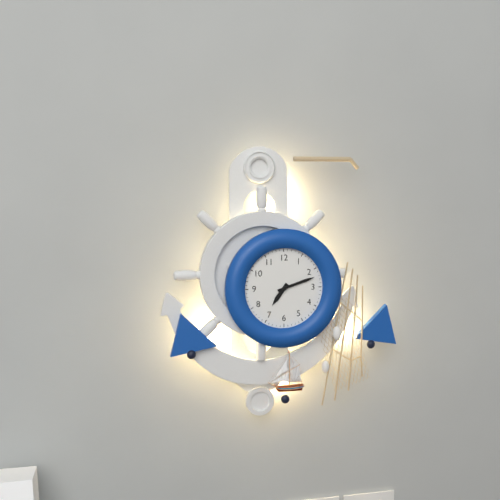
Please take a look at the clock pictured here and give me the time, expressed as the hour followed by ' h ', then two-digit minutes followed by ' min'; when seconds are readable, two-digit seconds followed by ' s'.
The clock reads 7 h 12 min
